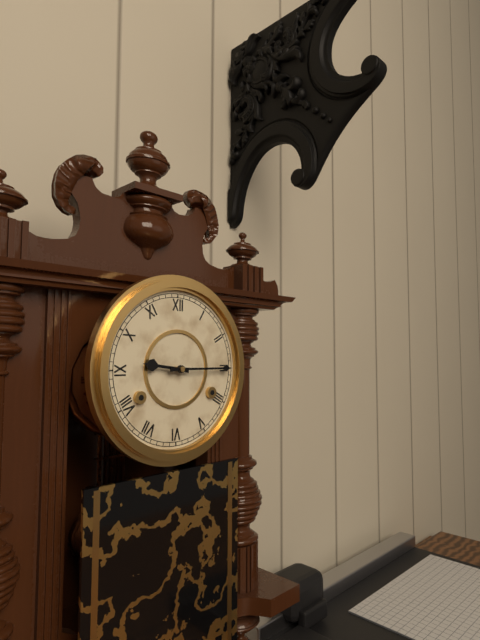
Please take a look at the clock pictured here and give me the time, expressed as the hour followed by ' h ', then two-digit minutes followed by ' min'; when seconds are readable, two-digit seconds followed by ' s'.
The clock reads 9 h 15 min
